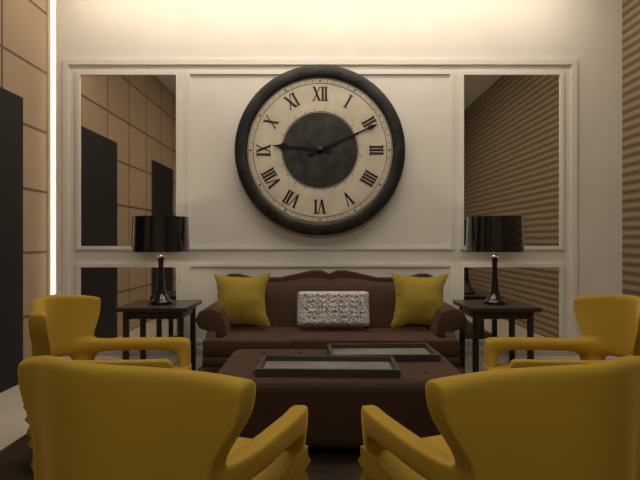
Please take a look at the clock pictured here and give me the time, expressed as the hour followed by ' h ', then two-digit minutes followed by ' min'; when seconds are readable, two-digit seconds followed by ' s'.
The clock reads 9 h 11 min
